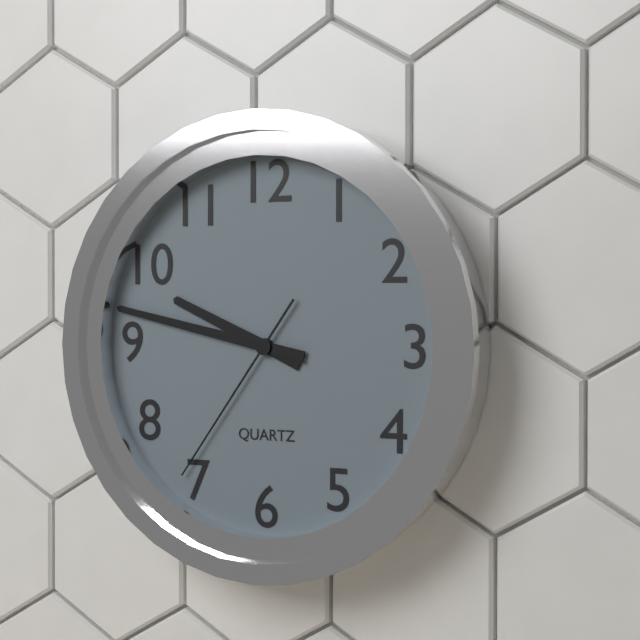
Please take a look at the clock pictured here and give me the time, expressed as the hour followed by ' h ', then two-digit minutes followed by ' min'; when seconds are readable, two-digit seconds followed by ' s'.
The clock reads 9 h 47 min 36 s
